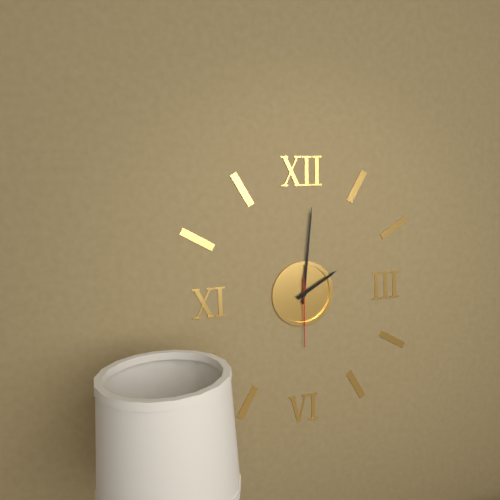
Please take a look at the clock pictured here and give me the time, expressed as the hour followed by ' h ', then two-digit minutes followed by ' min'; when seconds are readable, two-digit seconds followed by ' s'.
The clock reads 2 h 01 min 30 s
